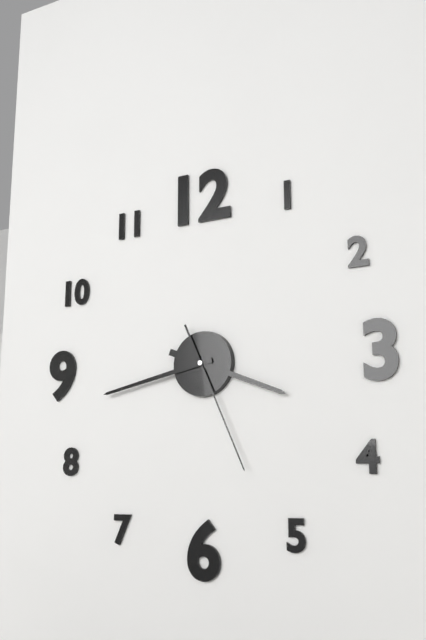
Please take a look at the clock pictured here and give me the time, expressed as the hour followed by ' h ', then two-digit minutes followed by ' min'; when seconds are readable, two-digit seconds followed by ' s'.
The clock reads 3 h 43 min 26 s
